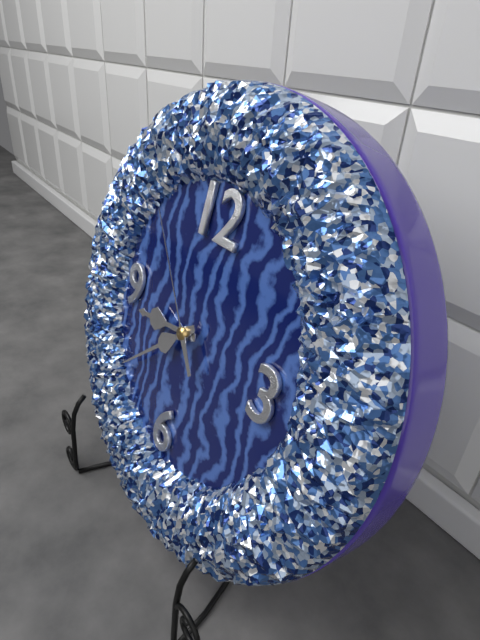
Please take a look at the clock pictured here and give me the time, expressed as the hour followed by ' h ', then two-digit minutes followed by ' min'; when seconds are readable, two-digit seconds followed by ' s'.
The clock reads 8 h 38 min 53 s
